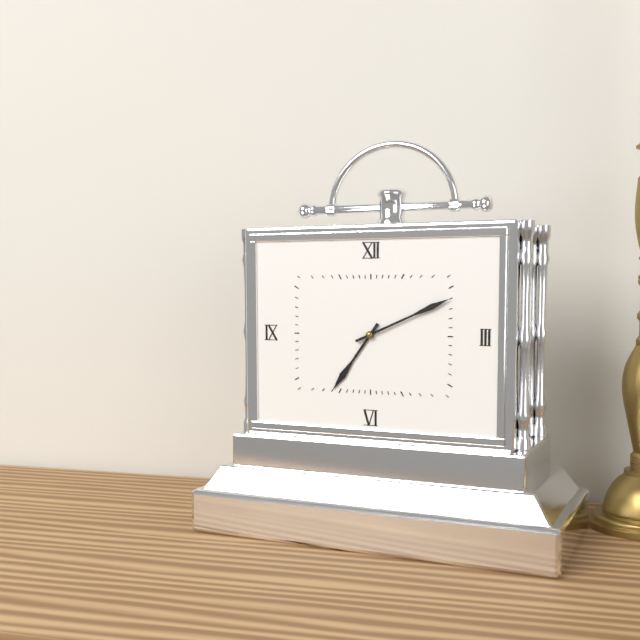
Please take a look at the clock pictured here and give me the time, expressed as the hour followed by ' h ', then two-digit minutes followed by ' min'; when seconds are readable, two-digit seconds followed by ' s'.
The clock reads 7 h 11 min
